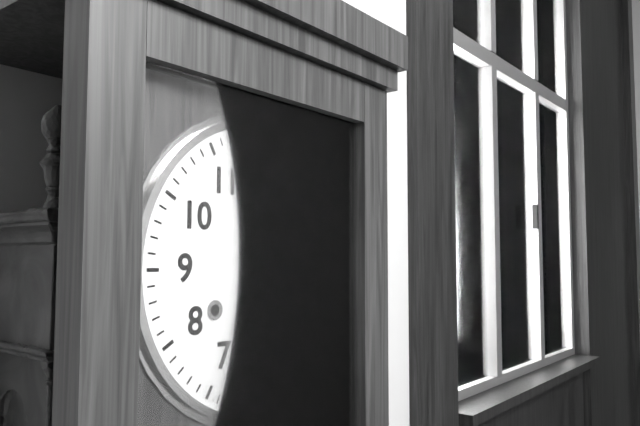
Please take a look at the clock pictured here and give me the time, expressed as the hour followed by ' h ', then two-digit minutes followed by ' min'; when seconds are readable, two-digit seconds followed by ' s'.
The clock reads 4 h 21 min
